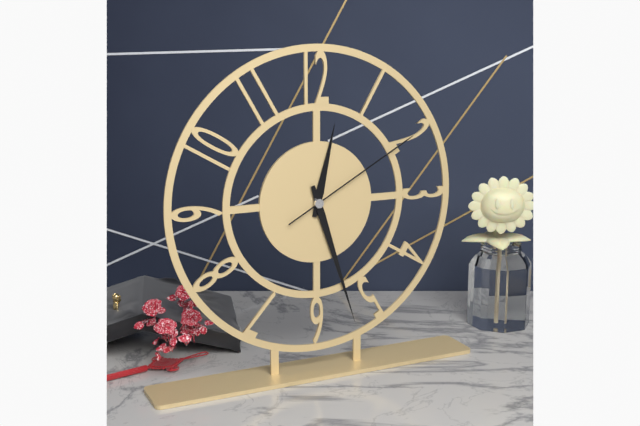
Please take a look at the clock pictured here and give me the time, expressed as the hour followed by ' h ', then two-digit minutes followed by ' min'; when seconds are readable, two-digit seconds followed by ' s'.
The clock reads 12 h 27 min 10 s
